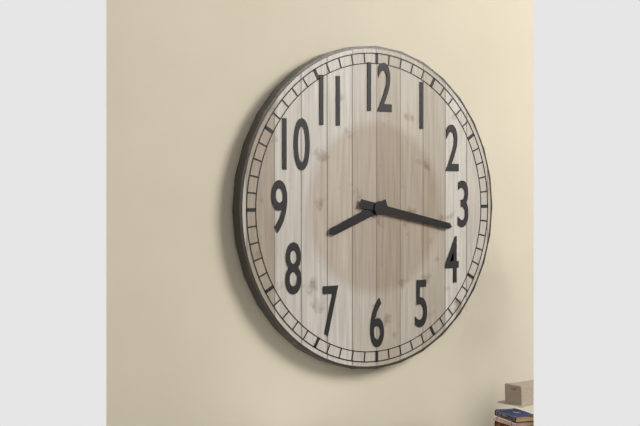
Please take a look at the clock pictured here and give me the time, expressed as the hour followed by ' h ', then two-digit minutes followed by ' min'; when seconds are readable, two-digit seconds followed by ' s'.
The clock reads 8 h 17 min
